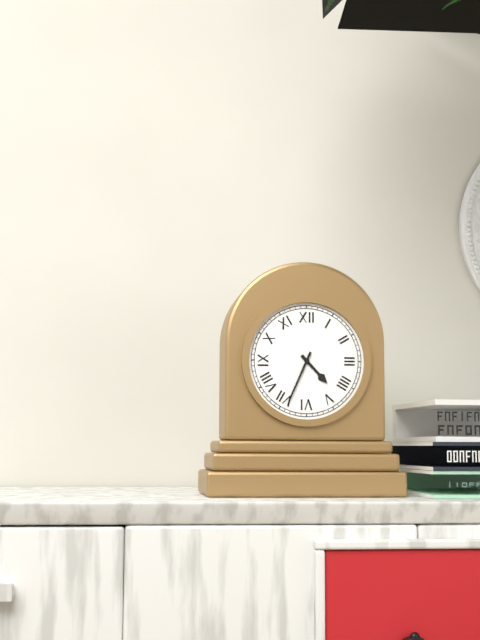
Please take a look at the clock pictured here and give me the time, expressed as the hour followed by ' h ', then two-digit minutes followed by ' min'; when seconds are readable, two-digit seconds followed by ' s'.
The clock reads 4 h 34 min
